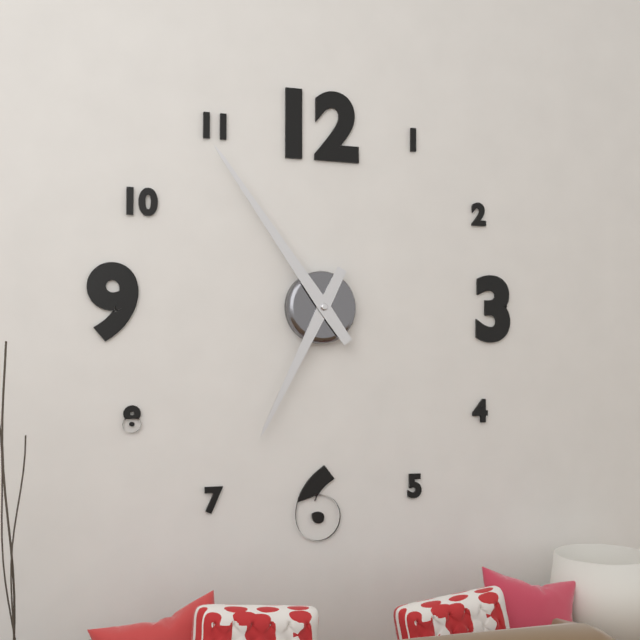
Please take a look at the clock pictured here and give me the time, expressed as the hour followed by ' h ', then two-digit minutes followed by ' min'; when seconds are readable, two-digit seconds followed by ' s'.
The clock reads 6 h 54 min
